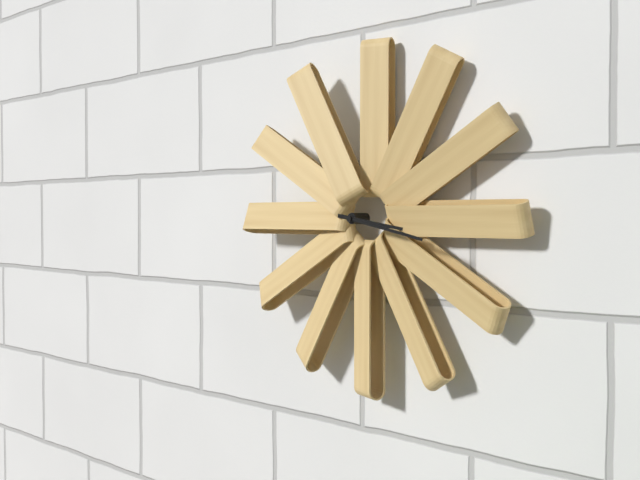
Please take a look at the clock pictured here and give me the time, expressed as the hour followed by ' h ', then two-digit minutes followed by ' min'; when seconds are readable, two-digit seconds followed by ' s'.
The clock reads 3 h 17 min
